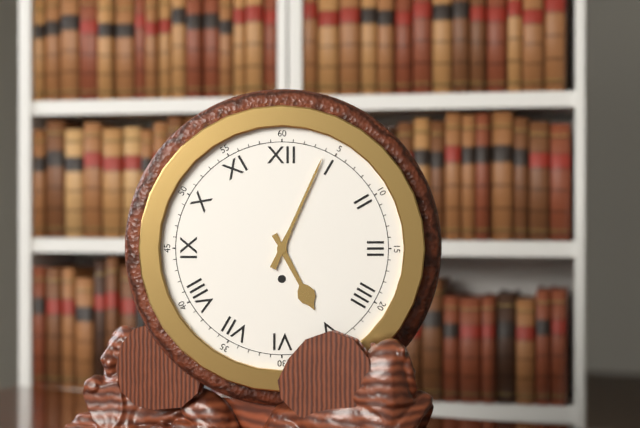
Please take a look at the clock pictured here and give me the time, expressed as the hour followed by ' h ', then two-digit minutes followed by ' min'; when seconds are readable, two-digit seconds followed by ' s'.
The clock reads 5 h 04 min
